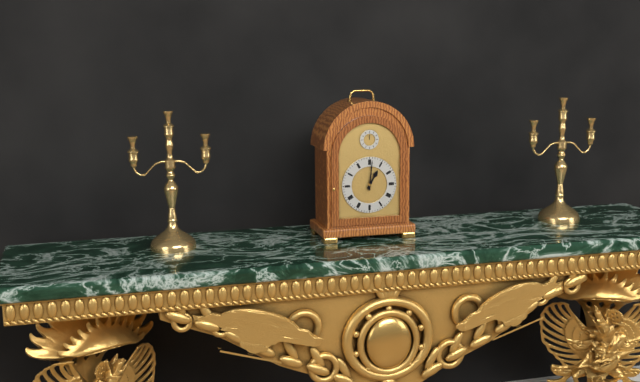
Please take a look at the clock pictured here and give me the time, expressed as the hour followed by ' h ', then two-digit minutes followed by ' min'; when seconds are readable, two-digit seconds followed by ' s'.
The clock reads 1 h 01 min
